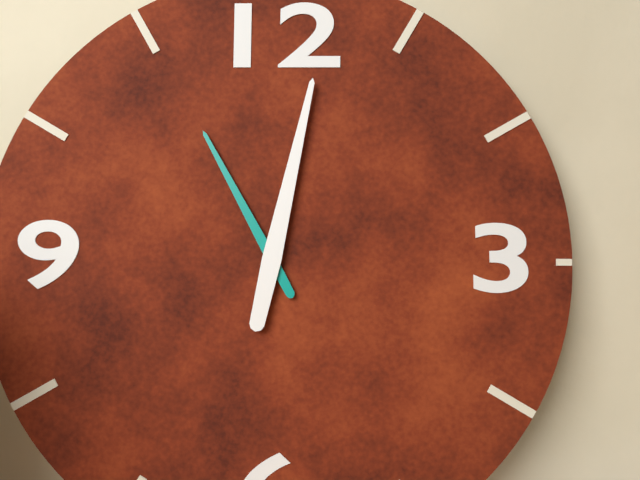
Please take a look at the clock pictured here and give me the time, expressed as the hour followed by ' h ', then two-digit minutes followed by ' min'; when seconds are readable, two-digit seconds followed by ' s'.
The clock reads 11 h 02 min
